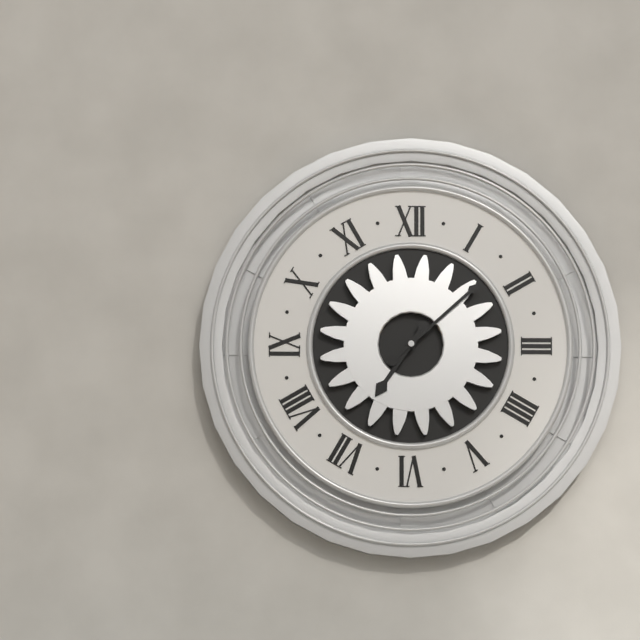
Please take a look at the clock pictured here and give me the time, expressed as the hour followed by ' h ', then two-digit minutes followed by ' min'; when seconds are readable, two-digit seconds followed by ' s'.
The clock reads 7 h 08 min
